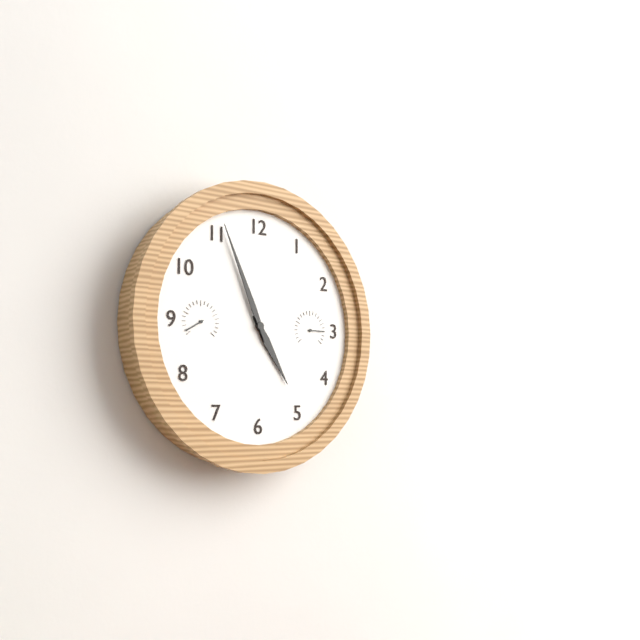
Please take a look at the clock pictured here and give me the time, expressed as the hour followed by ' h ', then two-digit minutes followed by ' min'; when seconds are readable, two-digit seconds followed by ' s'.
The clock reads 4 h 56 min
